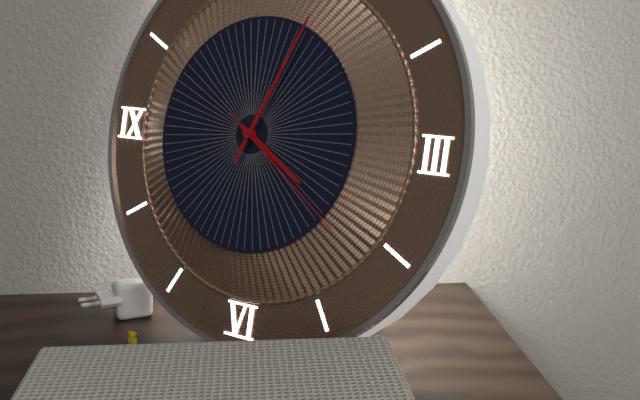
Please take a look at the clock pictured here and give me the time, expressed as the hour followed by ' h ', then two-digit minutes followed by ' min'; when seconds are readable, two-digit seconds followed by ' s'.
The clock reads 4 h 04 min 21 s
